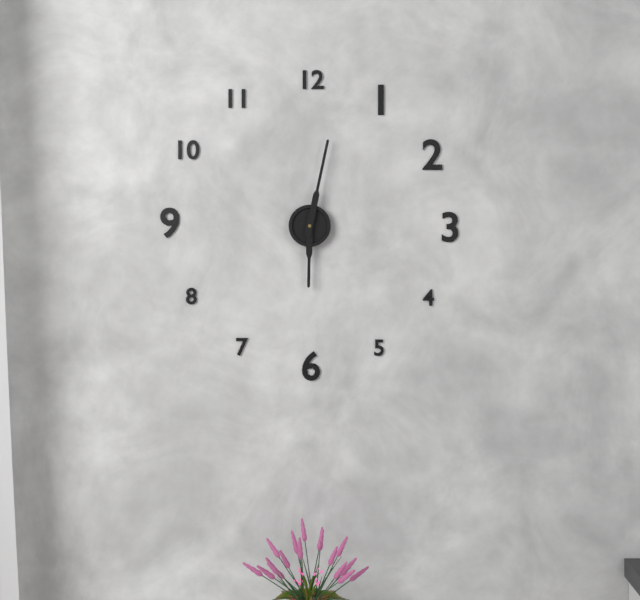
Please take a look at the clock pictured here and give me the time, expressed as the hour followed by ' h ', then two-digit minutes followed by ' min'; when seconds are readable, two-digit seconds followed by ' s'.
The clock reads 6 h 02 min
